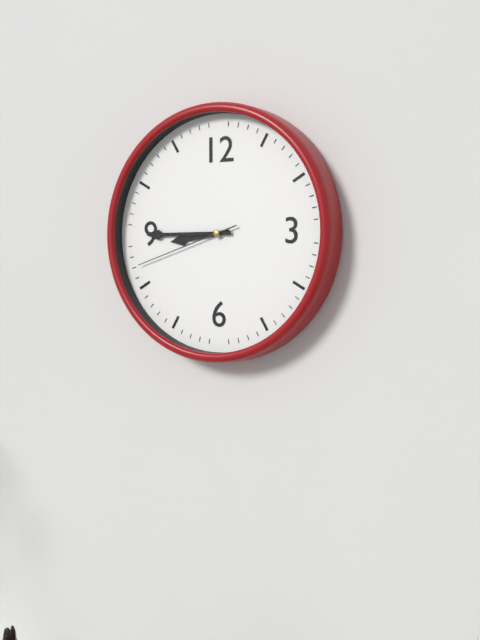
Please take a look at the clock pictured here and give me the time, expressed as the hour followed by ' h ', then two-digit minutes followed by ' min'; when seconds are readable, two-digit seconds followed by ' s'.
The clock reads 8 h 45 min 42 s
